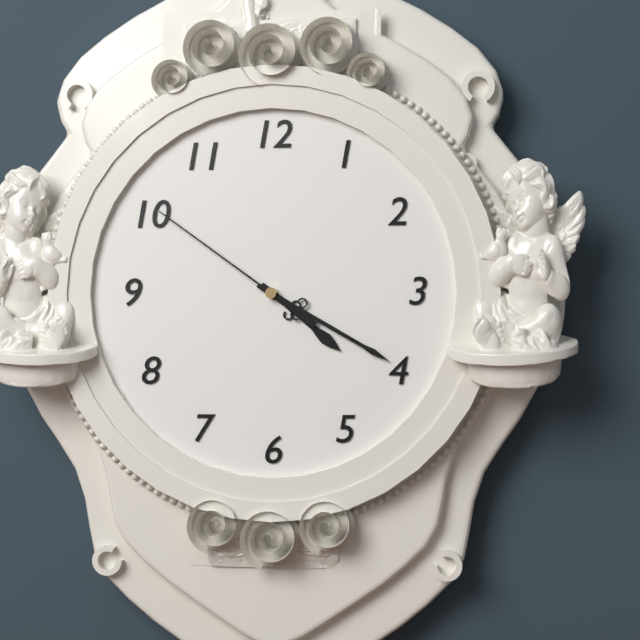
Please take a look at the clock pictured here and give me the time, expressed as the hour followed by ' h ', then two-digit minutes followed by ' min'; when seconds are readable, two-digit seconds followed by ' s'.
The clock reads 4 h 20 min 51 s
